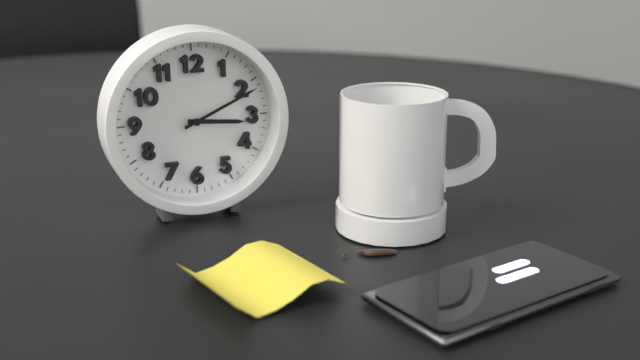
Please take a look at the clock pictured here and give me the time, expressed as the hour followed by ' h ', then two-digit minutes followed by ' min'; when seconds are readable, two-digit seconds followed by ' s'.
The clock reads 3 h 11 min
